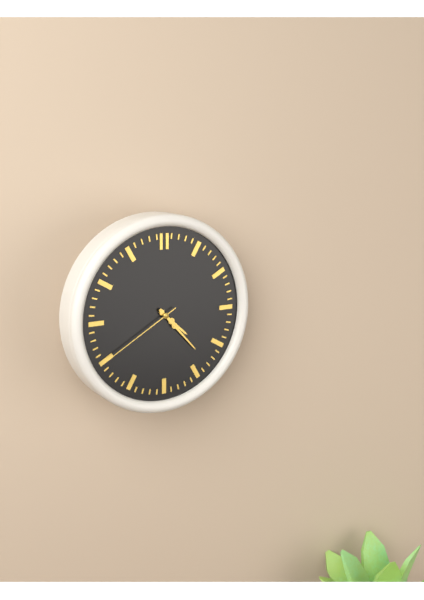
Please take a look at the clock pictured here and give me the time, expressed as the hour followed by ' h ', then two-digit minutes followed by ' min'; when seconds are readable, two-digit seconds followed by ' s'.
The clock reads 4 h 23 min 40 s
